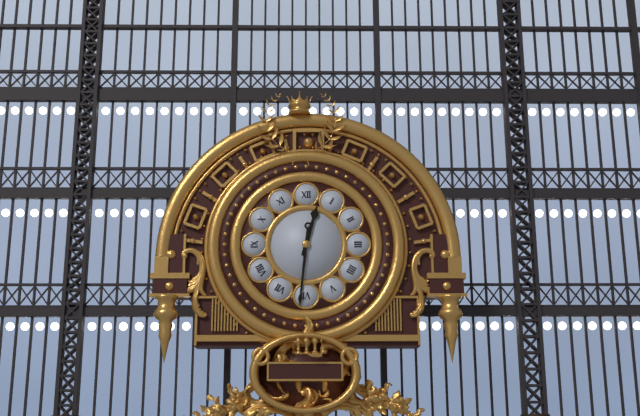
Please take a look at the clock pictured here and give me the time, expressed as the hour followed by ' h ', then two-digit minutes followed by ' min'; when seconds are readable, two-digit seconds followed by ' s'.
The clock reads 12 h 31 min
